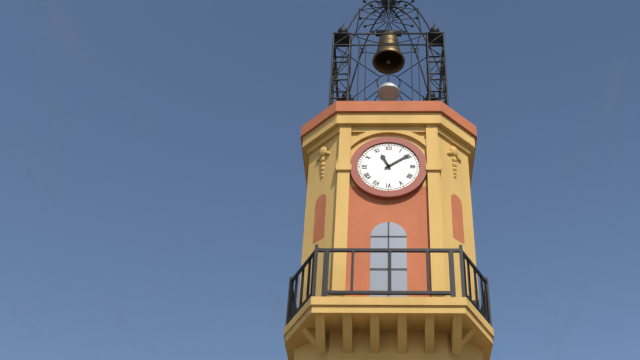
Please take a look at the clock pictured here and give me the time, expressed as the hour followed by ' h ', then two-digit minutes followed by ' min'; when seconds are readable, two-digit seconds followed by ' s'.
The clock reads 11 h 09 min
